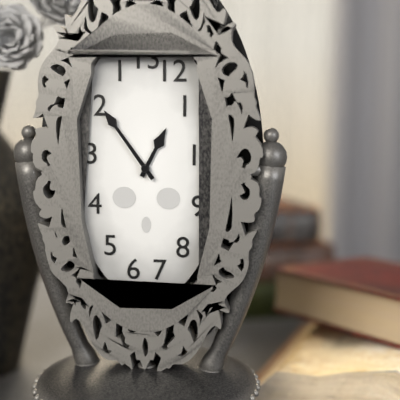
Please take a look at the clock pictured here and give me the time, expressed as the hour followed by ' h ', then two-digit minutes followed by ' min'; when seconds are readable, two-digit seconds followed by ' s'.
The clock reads 12 h 54 min
